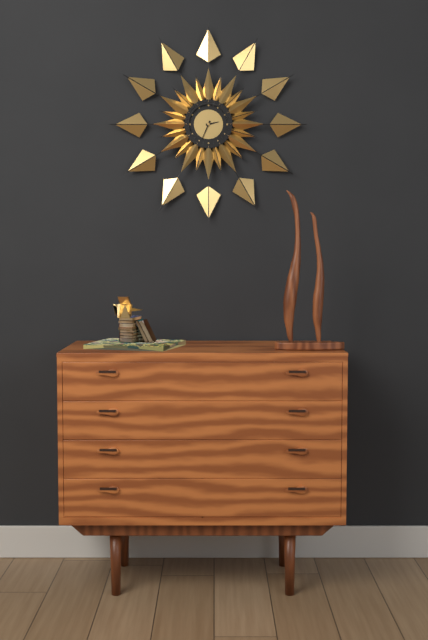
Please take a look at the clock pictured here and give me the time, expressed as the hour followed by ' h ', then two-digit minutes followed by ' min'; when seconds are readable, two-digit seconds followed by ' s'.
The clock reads 2 h 34 min
